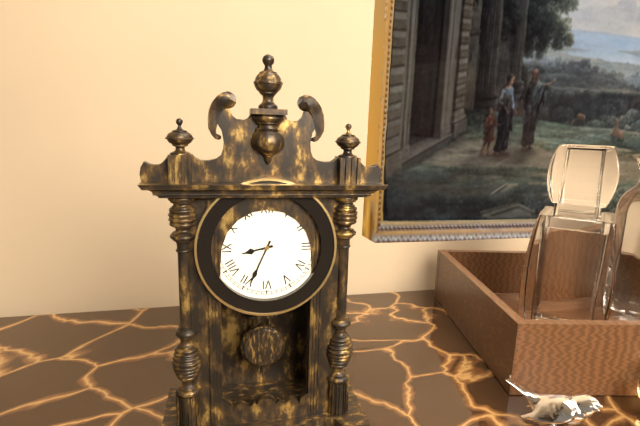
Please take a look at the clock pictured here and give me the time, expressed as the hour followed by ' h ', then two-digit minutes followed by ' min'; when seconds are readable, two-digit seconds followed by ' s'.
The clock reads 8 h 34 min
